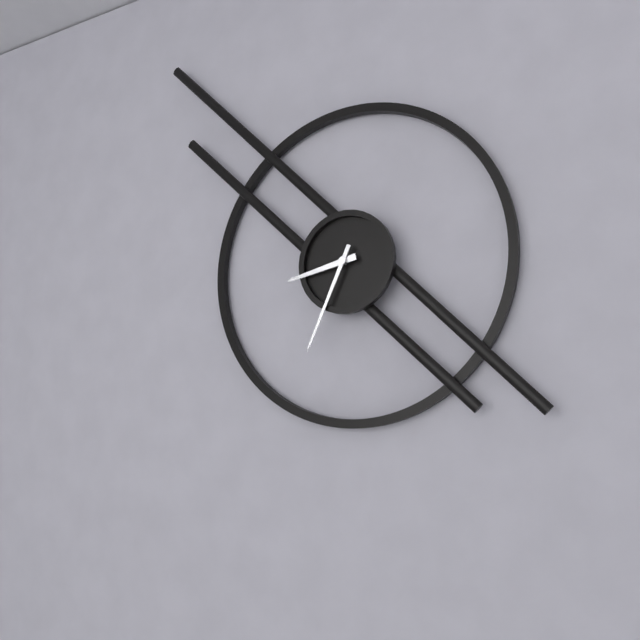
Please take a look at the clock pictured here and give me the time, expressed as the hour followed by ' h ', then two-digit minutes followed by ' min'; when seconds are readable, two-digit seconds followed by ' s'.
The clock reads 8 h 34 min
